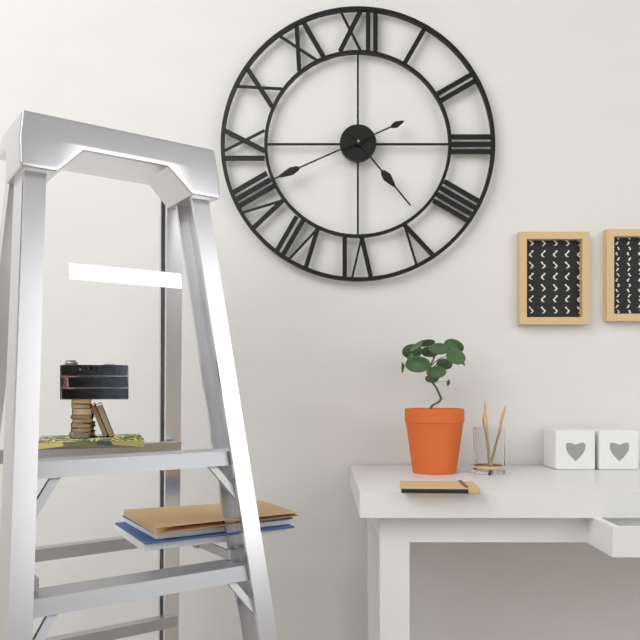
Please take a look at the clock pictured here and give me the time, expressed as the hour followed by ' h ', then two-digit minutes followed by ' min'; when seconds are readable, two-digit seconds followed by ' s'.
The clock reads 4 h 41 min
